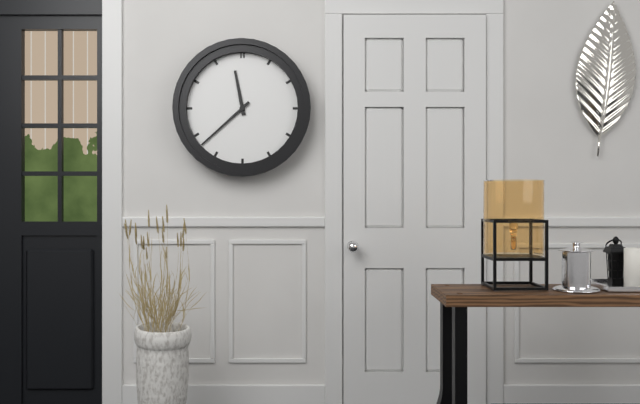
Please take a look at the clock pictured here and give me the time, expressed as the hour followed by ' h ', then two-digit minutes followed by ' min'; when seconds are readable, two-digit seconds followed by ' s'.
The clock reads 11 h 38 min
